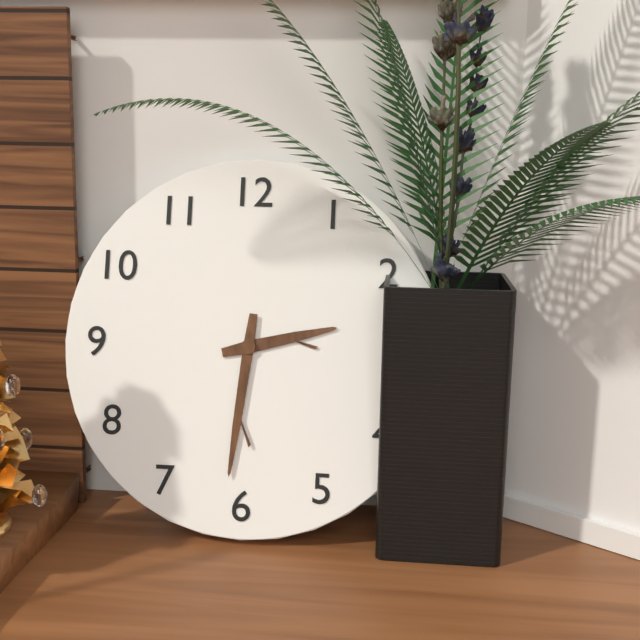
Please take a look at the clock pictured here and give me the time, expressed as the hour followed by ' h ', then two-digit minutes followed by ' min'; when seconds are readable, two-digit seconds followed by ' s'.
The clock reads 2 h 31 min
